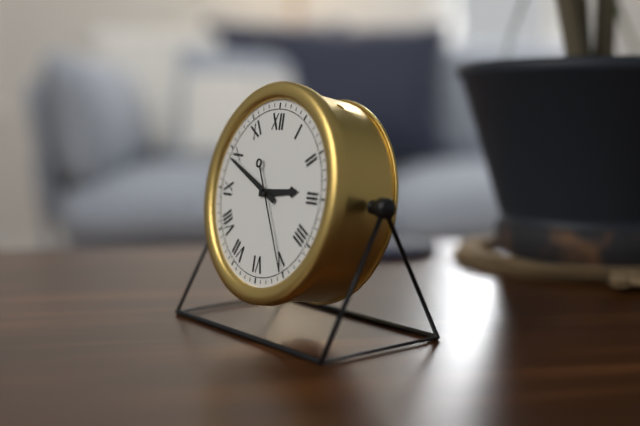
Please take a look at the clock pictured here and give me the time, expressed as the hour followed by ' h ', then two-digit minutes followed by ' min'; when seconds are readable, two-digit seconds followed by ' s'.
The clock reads 2 h 49 min 25 s
